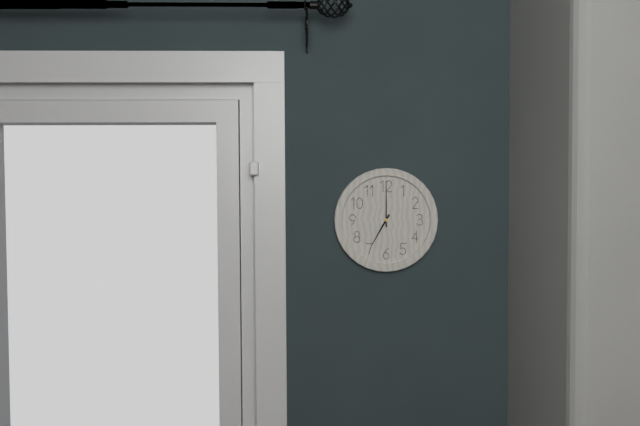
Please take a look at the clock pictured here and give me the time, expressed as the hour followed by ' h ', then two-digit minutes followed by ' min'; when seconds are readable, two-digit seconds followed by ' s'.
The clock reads 7 h 00 min
